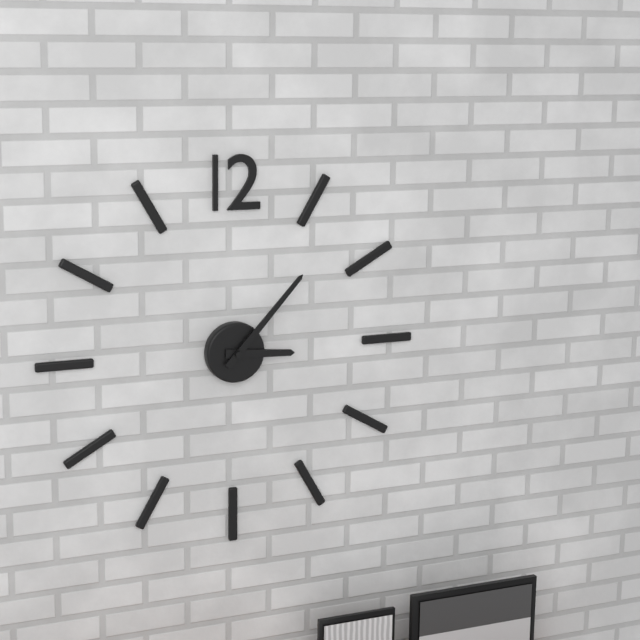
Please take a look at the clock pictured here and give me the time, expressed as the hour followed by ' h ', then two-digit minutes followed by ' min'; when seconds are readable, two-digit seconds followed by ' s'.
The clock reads 3 h 07 min
